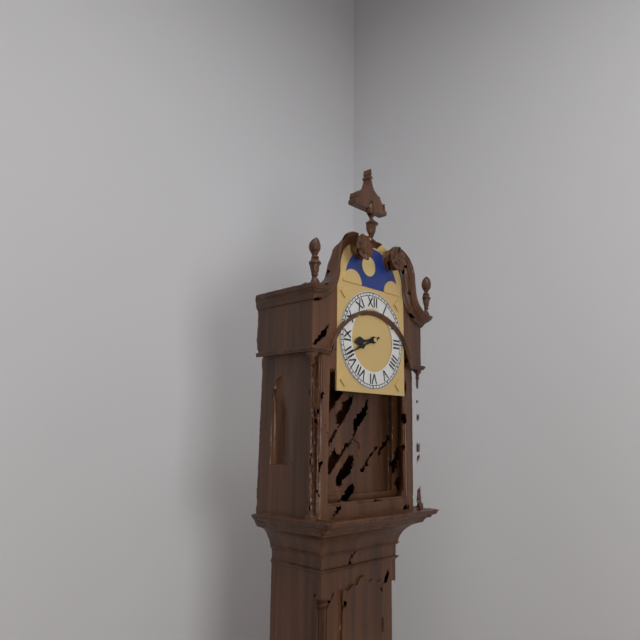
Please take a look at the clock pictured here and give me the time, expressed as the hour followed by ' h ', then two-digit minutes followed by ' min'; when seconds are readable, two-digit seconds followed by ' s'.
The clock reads 8 h 41 min
